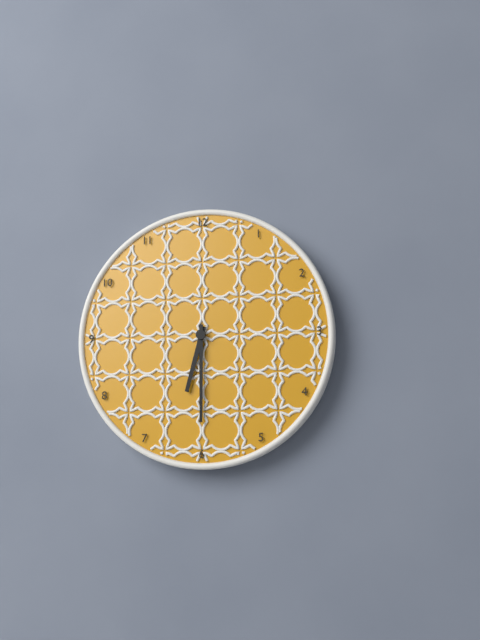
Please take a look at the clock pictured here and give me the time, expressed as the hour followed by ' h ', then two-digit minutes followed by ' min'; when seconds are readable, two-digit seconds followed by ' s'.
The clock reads 6 h 30 min
